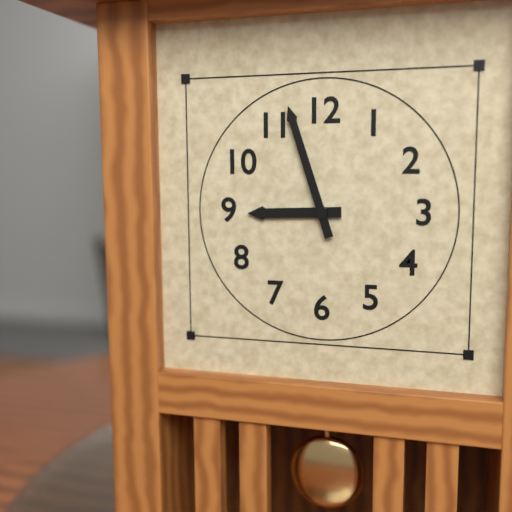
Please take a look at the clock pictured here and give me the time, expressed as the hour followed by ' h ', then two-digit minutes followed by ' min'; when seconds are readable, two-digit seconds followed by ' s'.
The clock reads 8 h 57 min
